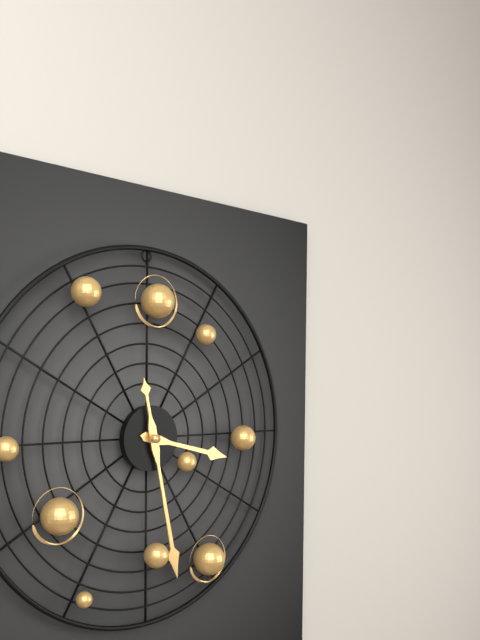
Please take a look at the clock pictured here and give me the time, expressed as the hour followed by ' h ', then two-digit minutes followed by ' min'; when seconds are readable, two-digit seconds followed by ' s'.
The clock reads 3 h 28 min
